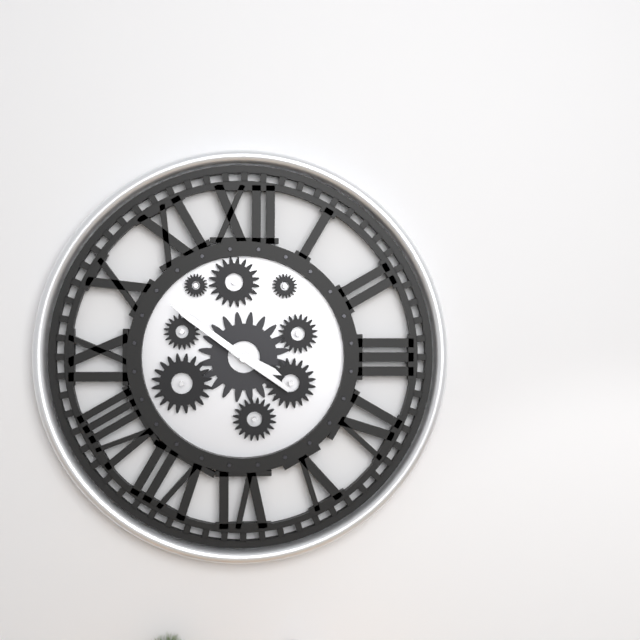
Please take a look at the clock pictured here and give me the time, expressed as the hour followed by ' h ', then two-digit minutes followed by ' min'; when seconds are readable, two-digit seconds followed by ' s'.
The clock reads 3 h 51 min
